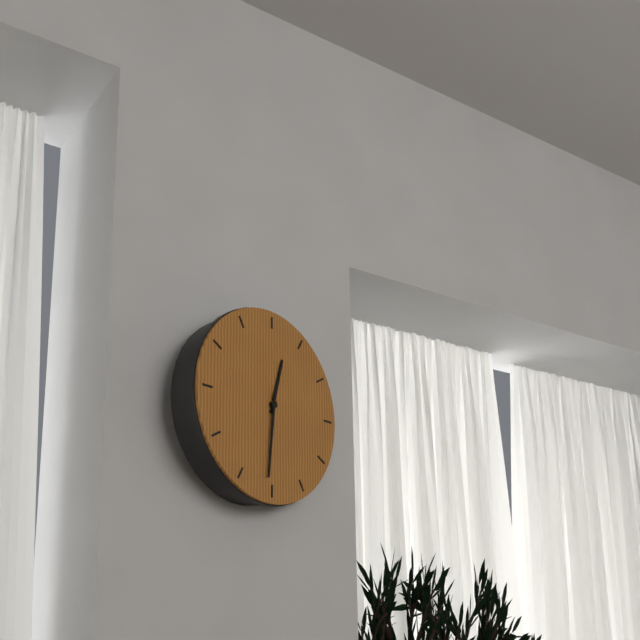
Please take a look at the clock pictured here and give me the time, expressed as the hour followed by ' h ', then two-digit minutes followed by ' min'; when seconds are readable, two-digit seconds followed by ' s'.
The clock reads 12 h 31 min
